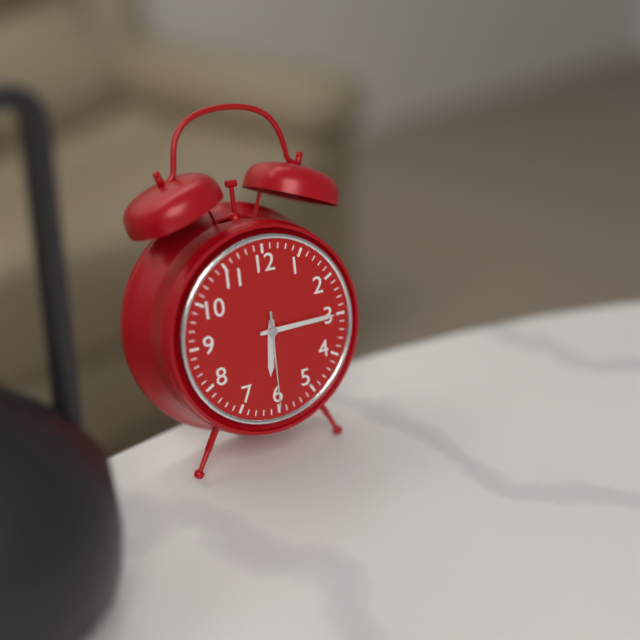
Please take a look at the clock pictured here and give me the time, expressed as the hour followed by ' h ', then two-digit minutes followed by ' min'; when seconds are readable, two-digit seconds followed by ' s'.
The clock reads 6 h 15 min 30 s
